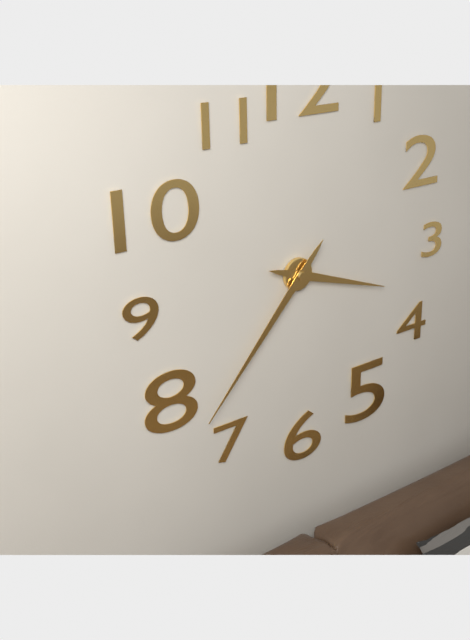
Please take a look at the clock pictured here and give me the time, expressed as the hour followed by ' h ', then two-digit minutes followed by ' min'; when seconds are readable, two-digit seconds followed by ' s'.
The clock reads 3 h 37 min
